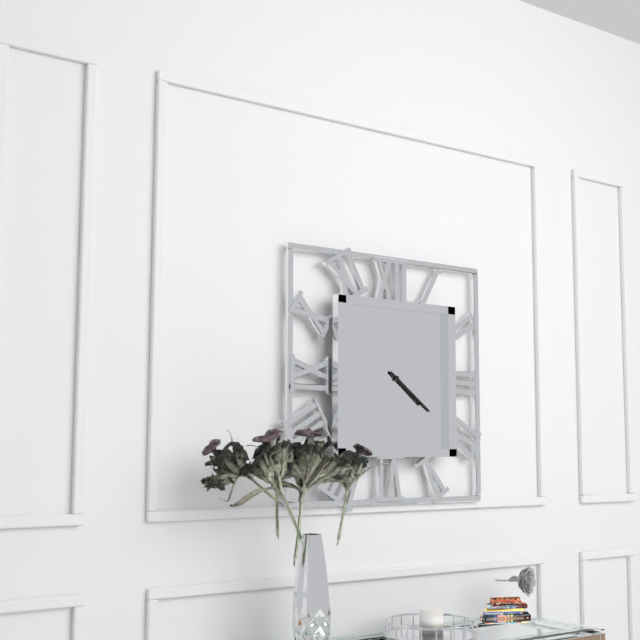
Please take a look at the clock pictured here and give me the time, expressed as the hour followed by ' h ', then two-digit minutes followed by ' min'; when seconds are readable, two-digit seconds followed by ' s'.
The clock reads 4 h 21 min
